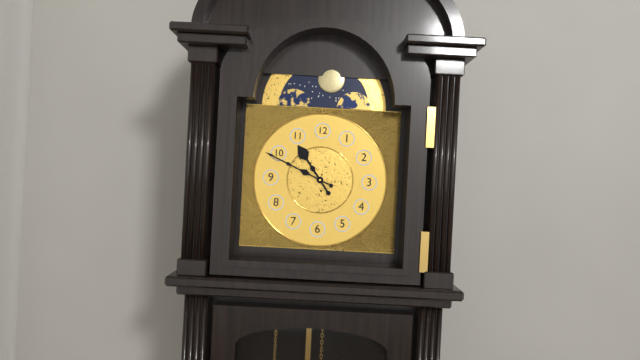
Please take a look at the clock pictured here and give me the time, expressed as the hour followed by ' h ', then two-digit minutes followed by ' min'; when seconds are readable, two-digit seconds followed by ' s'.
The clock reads 10 h 49 min
